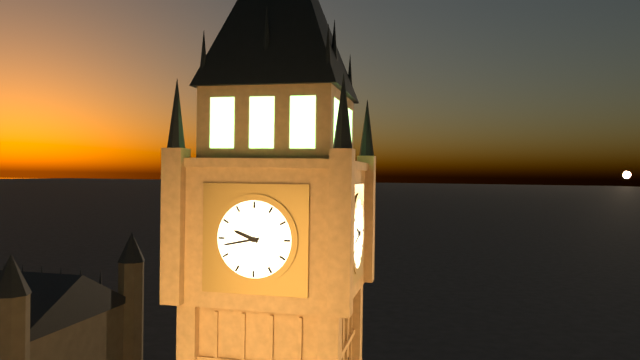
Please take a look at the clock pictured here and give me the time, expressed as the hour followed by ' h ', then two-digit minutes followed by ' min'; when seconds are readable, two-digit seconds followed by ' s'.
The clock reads 9 h 43 min
